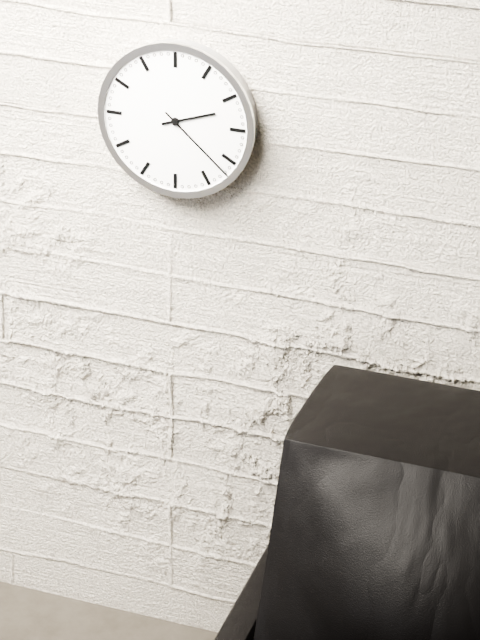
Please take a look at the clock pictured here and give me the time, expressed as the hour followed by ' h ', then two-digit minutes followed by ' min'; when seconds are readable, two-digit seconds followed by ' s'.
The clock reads 2 h 22 min
